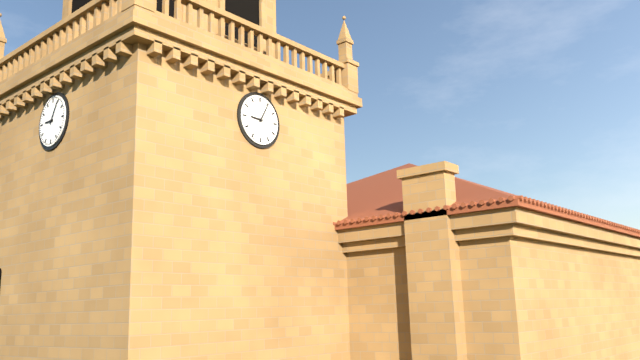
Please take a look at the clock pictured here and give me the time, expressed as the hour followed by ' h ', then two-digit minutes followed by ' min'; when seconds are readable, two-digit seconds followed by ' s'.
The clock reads 9 h 05 min
